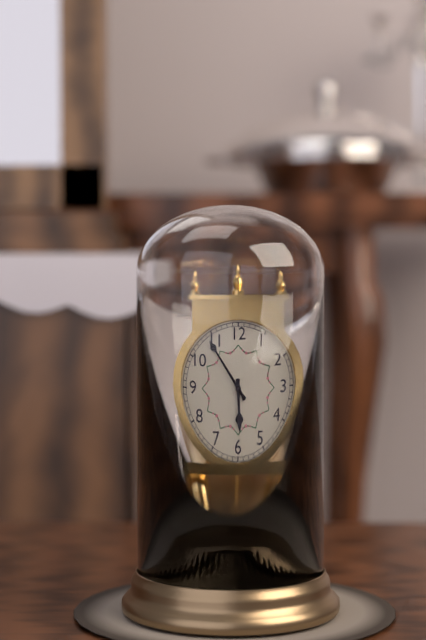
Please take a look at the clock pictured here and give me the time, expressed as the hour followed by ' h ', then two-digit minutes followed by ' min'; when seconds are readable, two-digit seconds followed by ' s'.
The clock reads 5 h 54 min
